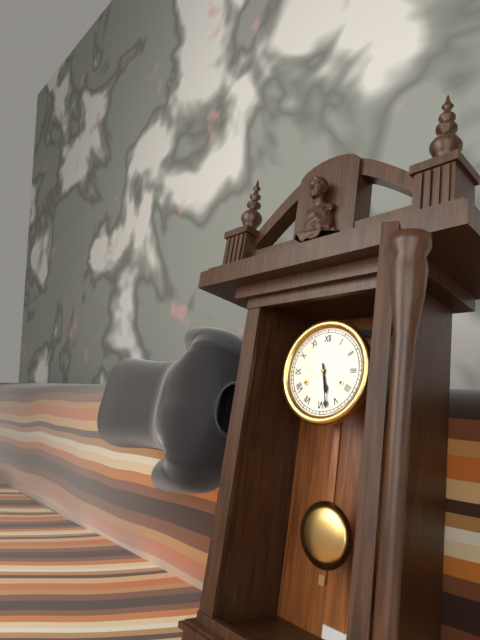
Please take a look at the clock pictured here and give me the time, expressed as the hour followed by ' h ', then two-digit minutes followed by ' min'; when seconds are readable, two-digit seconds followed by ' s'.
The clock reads 5 h 28 min
